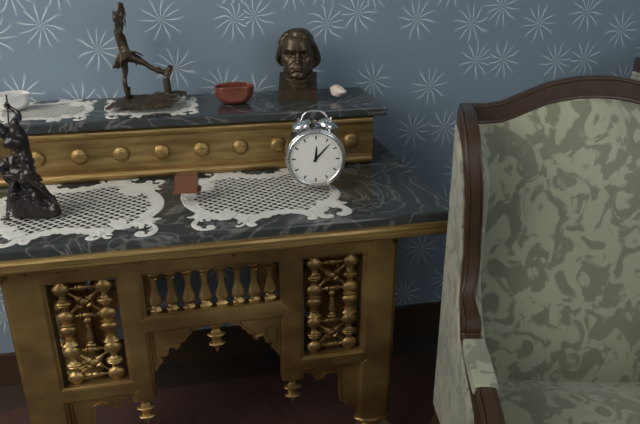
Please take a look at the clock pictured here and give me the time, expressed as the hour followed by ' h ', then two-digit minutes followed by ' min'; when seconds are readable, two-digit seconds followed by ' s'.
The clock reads 12 h 07 min
